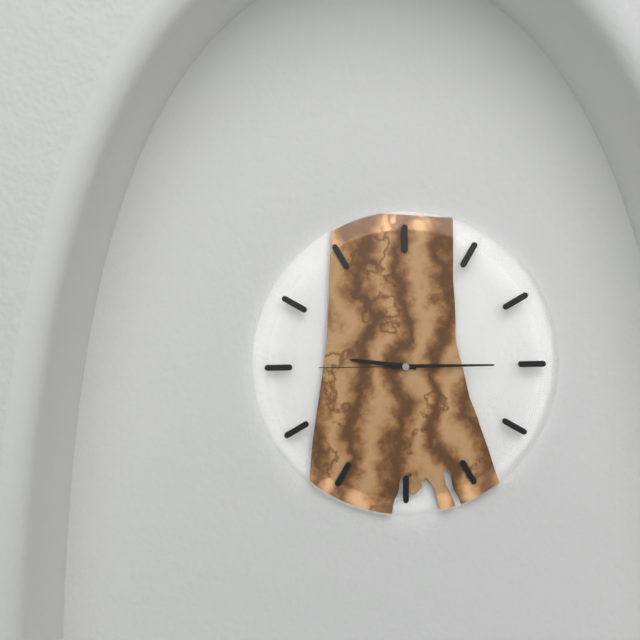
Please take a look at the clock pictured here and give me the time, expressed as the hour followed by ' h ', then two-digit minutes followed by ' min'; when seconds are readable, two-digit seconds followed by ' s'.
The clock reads 9 h 15 min 45 s
